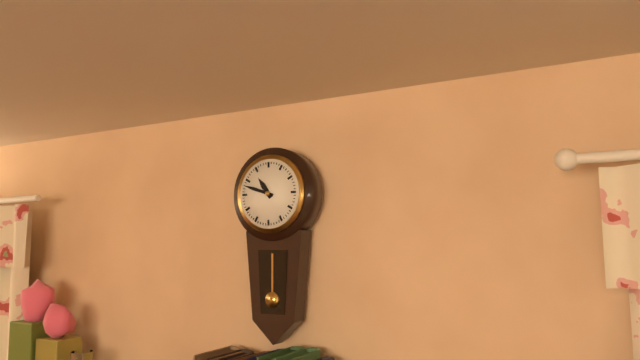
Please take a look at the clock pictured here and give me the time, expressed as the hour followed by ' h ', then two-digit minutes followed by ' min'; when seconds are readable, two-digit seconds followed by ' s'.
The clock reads 10 h 48 min
